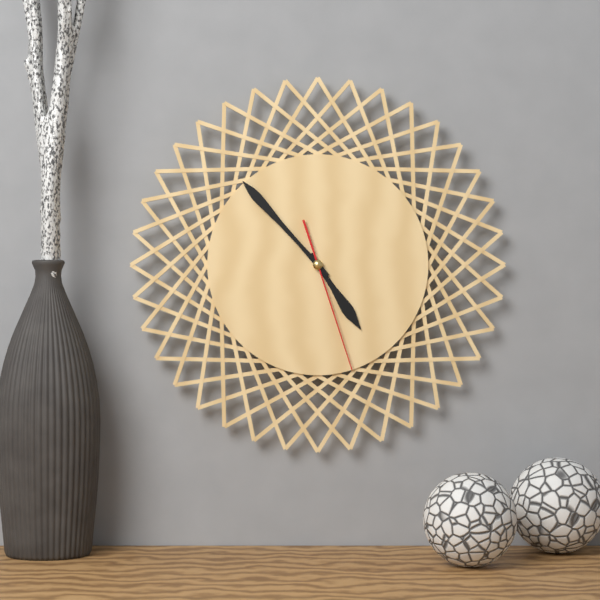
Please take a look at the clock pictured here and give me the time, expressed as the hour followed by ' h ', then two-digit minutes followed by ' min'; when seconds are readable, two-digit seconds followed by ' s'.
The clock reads 4 h 53 min 27 s
